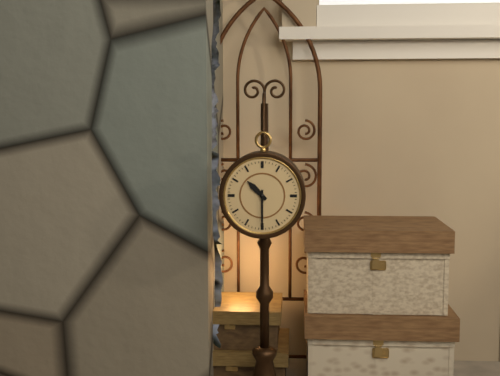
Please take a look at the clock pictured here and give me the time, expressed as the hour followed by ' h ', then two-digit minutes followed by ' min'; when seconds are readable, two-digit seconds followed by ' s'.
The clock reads 10 h 30 min
